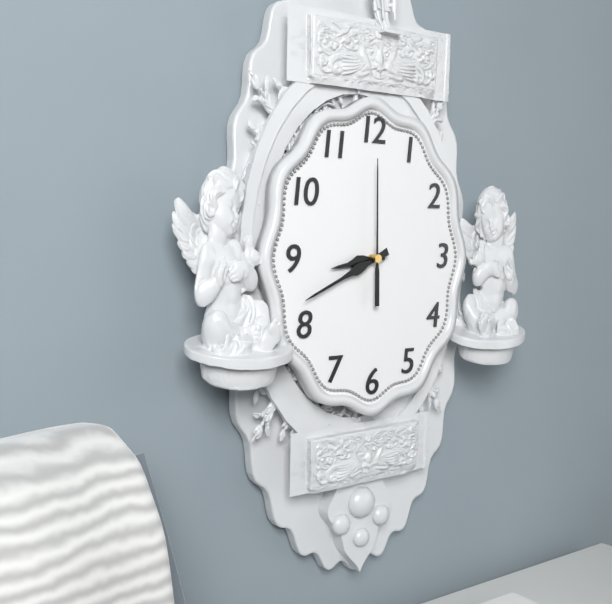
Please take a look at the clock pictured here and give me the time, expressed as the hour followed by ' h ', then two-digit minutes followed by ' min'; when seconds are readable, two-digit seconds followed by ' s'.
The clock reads 8 h 41 min 00 s
